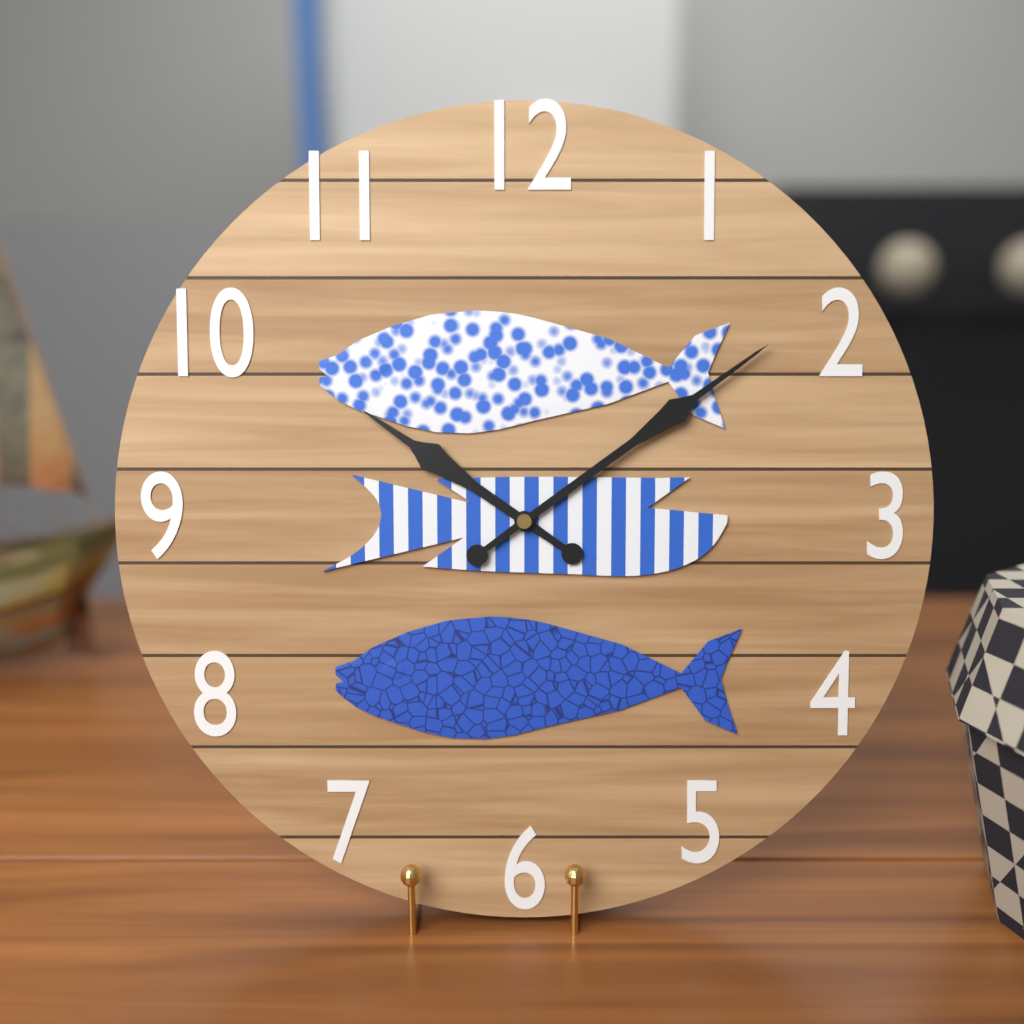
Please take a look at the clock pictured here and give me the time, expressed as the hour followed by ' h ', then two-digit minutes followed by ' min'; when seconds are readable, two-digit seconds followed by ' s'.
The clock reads 10 h 09 min
